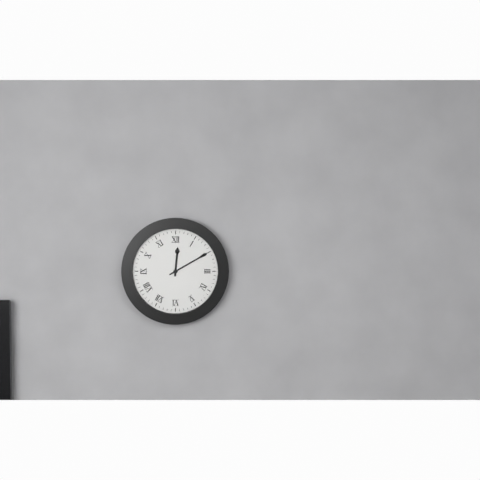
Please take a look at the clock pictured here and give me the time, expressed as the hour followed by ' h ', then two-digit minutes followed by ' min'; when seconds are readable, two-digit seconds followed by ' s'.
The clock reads 12 h 10 min
